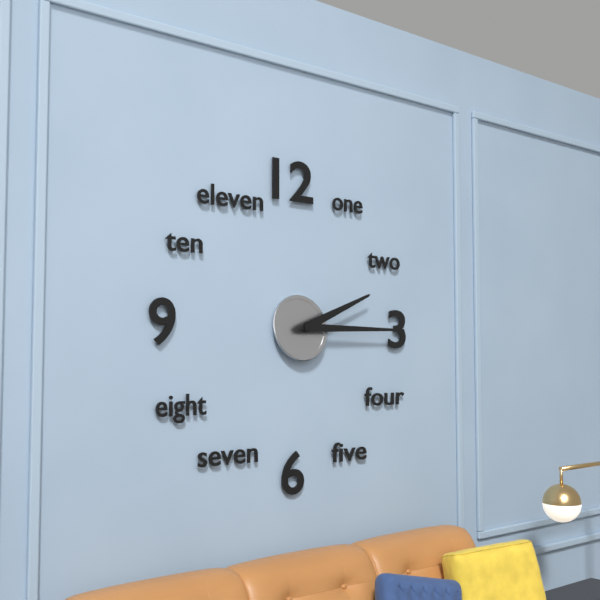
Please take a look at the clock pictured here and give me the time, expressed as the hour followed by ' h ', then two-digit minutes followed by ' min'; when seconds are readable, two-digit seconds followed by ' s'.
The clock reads 2 h 15 min
